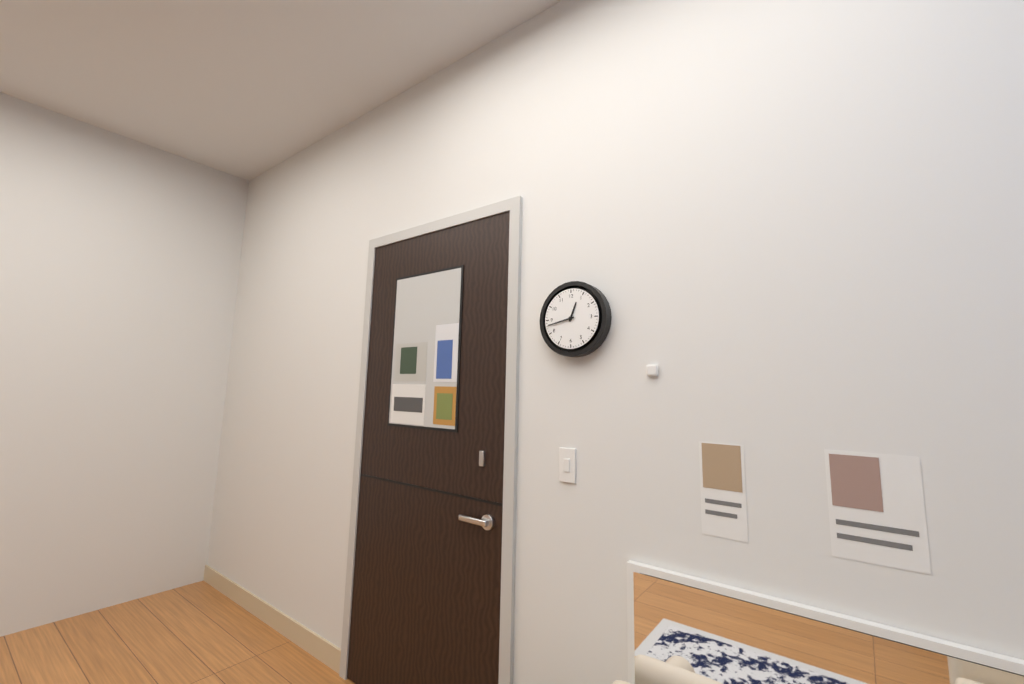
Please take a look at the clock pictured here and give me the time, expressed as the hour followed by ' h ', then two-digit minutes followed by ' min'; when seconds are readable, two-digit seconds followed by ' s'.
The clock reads 12 h 43 min
